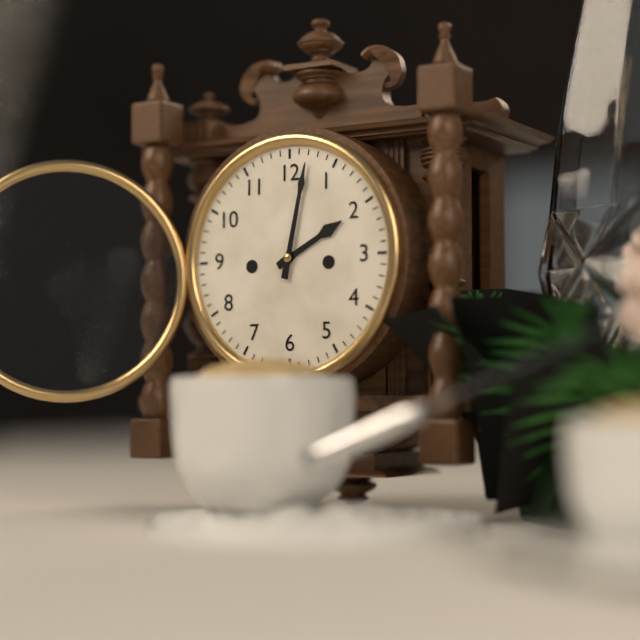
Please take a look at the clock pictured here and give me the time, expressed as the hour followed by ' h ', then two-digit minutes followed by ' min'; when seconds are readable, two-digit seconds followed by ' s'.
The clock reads 2 h 02 min
